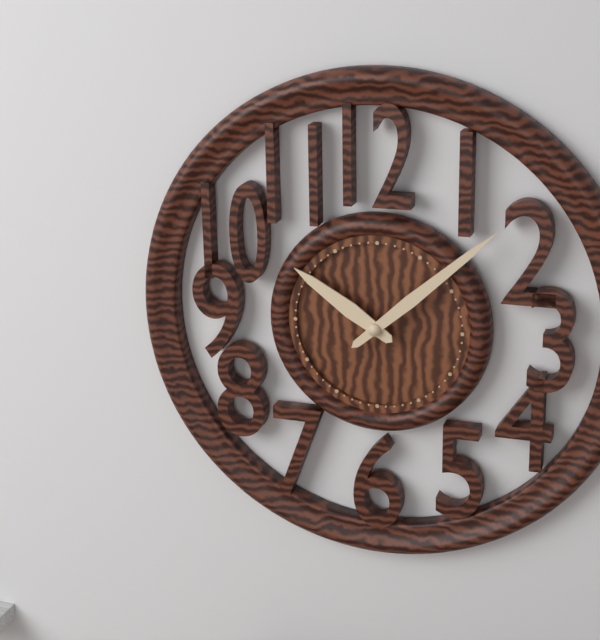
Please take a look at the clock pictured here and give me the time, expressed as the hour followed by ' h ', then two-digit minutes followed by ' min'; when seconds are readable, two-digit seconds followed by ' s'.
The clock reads 10 h 08 min
